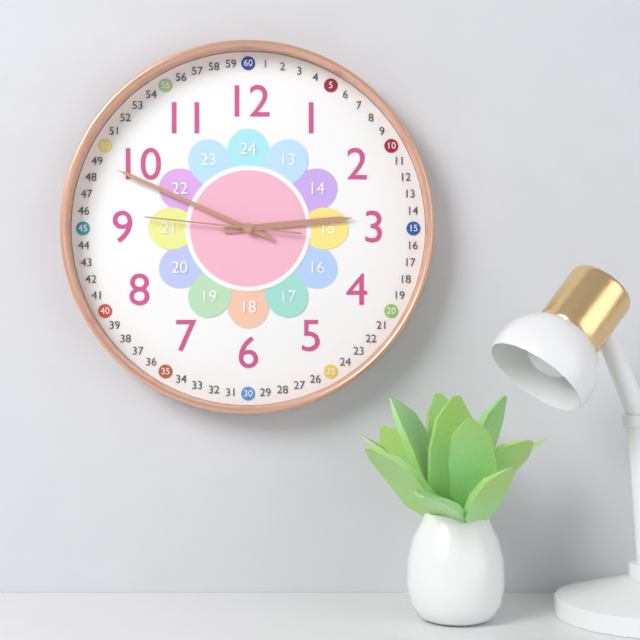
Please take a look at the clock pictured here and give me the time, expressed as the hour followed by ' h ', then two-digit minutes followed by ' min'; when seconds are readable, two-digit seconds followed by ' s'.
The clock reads 2 h 49 min 46 s
